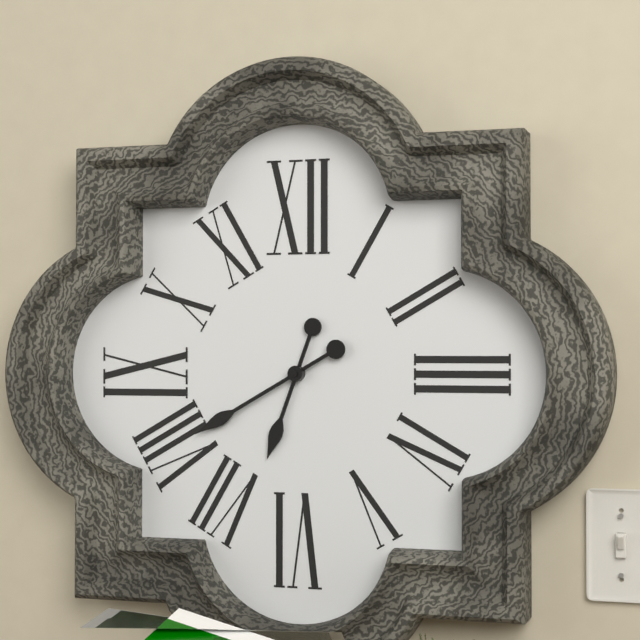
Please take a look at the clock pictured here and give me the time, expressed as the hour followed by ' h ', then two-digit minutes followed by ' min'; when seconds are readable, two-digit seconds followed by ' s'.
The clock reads 6 h 40 min
